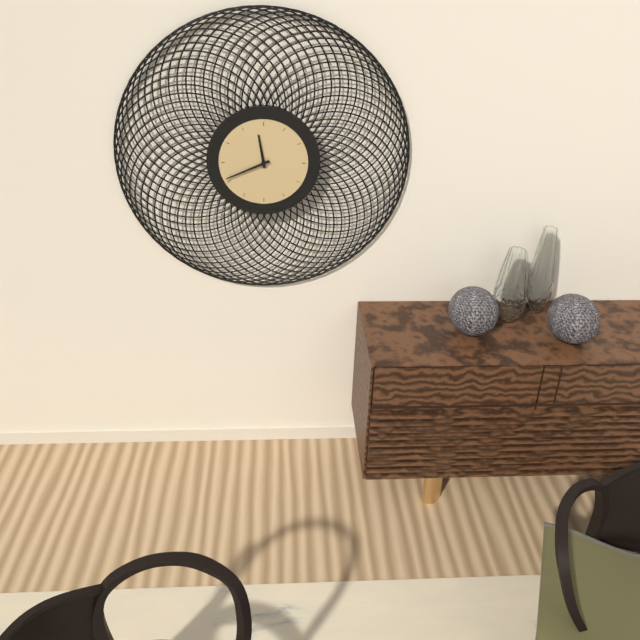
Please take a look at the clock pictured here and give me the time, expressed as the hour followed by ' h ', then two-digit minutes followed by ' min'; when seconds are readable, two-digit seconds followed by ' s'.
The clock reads 11 h 41 min
